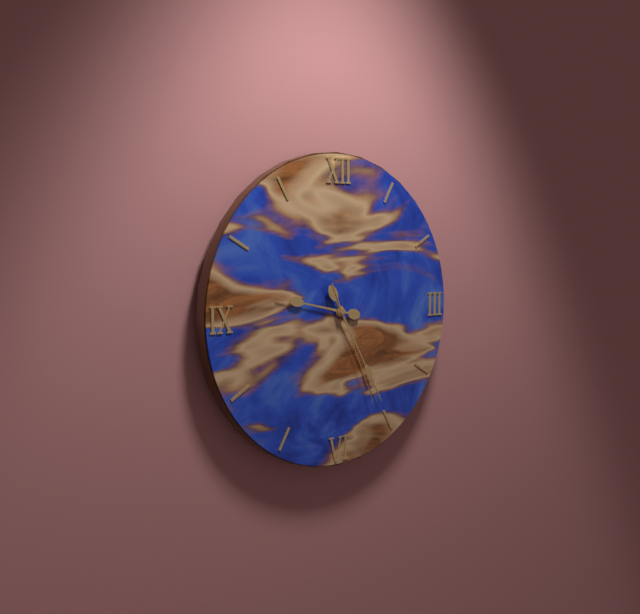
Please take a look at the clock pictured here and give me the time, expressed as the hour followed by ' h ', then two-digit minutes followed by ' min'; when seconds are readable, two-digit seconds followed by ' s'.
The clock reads 9 h 25 min 26 s
